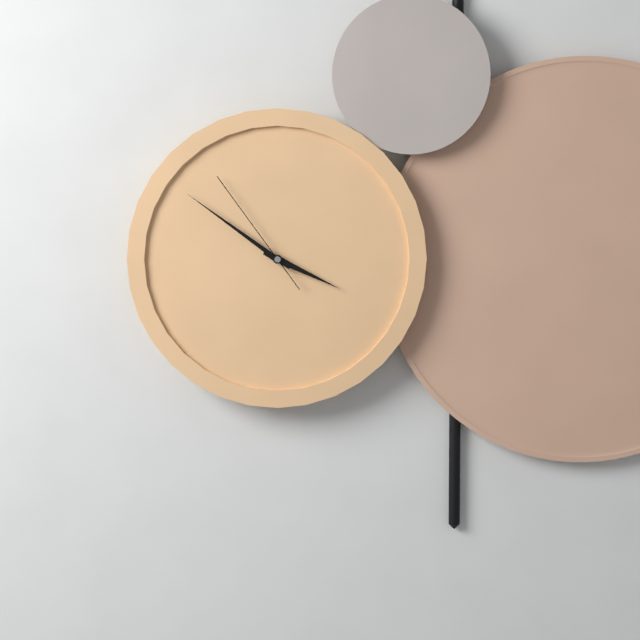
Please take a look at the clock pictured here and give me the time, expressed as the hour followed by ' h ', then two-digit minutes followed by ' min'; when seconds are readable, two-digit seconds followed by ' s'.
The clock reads 3 h 51 min 54 s
